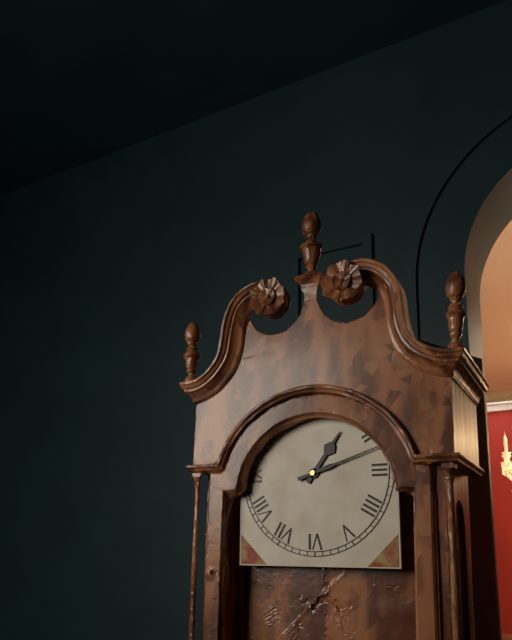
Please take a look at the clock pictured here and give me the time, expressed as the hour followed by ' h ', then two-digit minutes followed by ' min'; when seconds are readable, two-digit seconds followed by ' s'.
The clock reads 1 h 12 min
